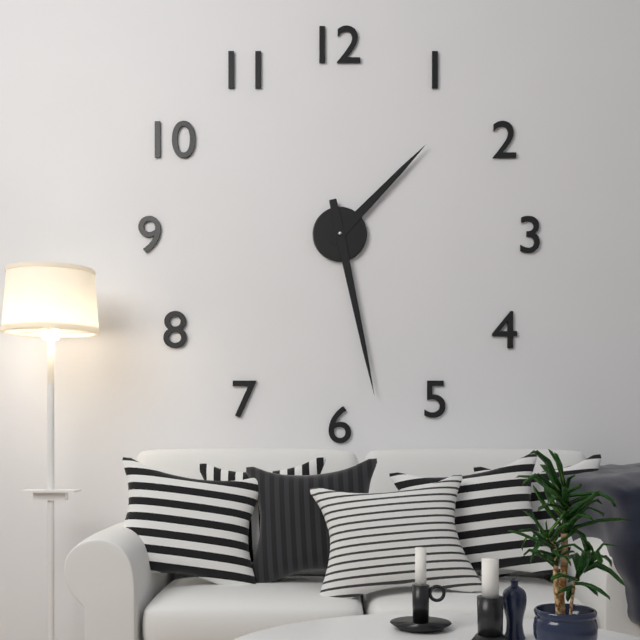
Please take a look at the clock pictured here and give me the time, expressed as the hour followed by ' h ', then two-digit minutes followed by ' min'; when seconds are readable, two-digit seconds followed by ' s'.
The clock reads 1 h 28 min
